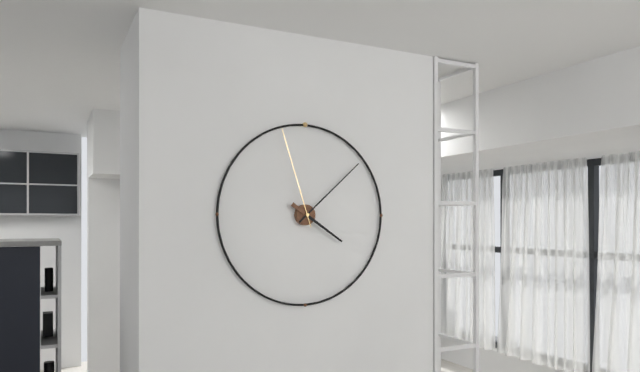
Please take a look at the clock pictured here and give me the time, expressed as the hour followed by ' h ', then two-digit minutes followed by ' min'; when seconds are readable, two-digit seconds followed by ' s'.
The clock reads 4 h 08 min 57 s
